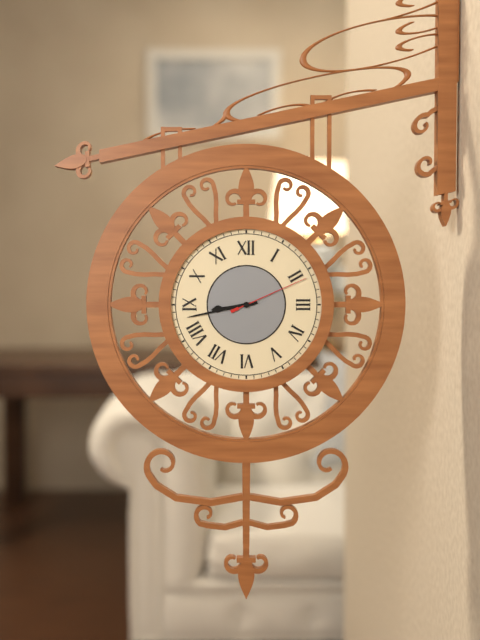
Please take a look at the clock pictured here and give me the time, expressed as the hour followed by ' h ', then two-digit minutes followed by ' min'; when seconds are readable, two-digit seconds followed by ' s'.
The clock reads 8 h 43 min 11 s
